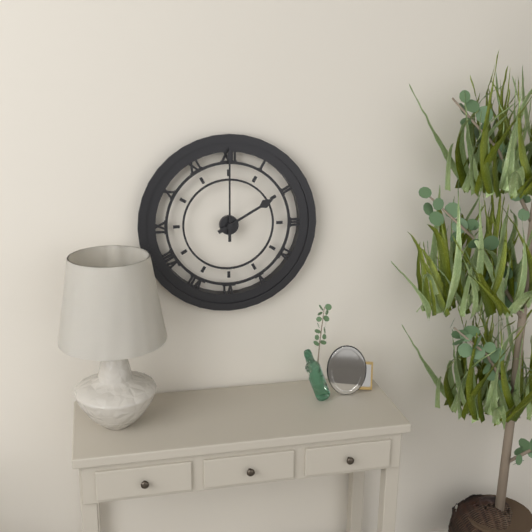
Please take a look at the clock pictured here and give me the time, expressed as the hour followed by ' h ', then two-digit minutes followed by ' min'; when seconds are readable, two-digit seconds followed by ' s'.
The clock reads 2 h 00 min
